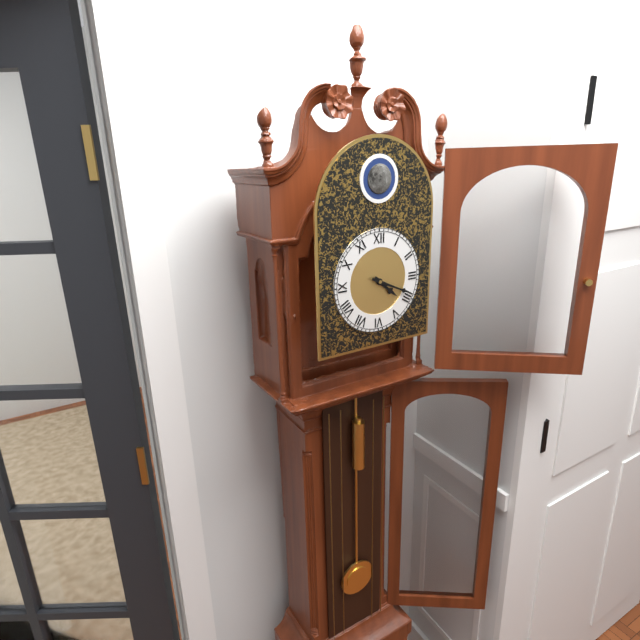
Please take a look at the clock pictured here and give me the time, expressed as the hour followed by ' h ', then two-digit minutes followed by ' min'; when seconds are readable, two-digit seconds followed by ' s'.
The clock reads 4 h 19 min
